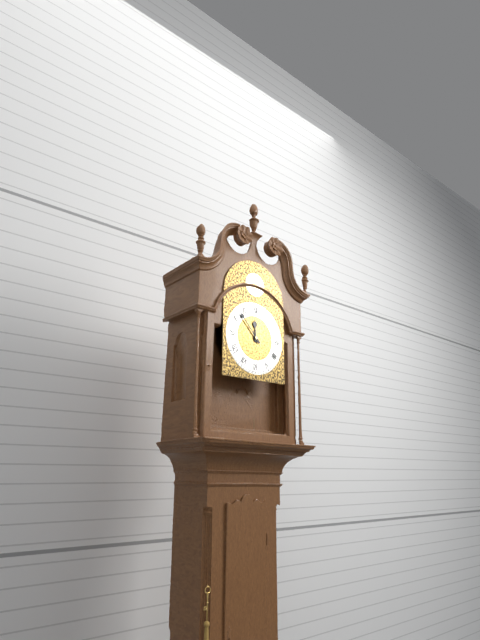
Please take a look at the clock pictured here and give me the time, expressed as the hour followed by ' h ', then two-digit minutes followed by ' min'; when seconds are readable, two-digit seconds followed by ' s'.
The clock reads 11 h 53 min
